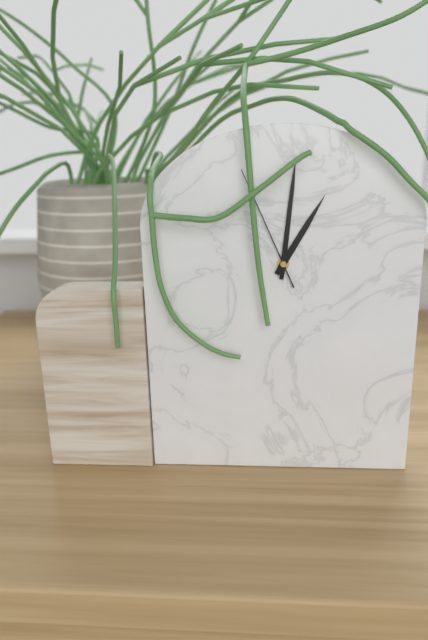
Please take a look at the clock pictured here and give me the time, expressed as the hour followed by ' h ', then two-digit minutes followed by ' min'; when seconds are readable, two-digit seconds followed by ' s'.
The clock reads 1 h 01 min 56 s
